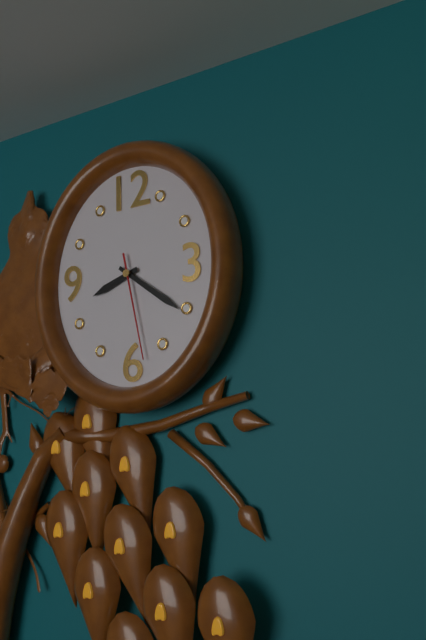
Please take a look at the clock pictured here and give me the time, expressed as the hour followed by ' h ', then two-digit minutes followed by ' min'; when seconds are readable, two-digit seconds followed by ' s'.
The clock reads 8 h 21 min 28 s
